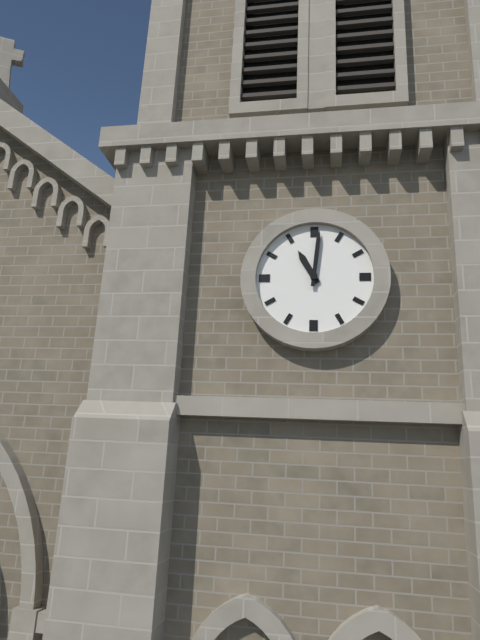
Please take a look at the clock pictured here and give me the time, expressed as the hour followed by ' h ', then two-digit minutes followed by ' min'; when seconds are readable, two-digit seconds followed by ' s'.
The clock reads 11 h 01 min
